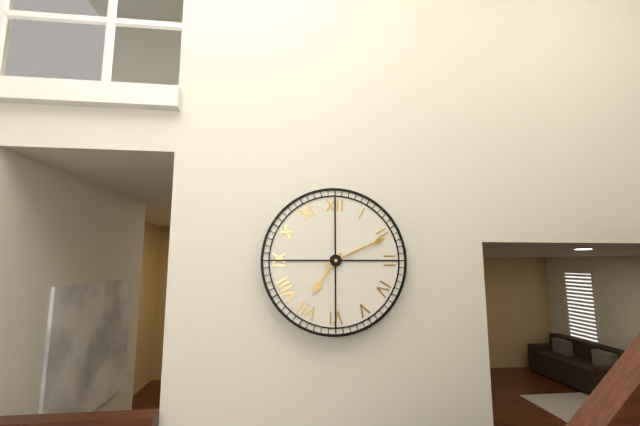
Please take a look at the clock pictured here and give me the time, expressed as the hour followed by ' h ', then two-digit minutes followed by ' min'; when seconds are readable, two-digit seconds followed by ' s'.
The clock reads 7 h 11 min
